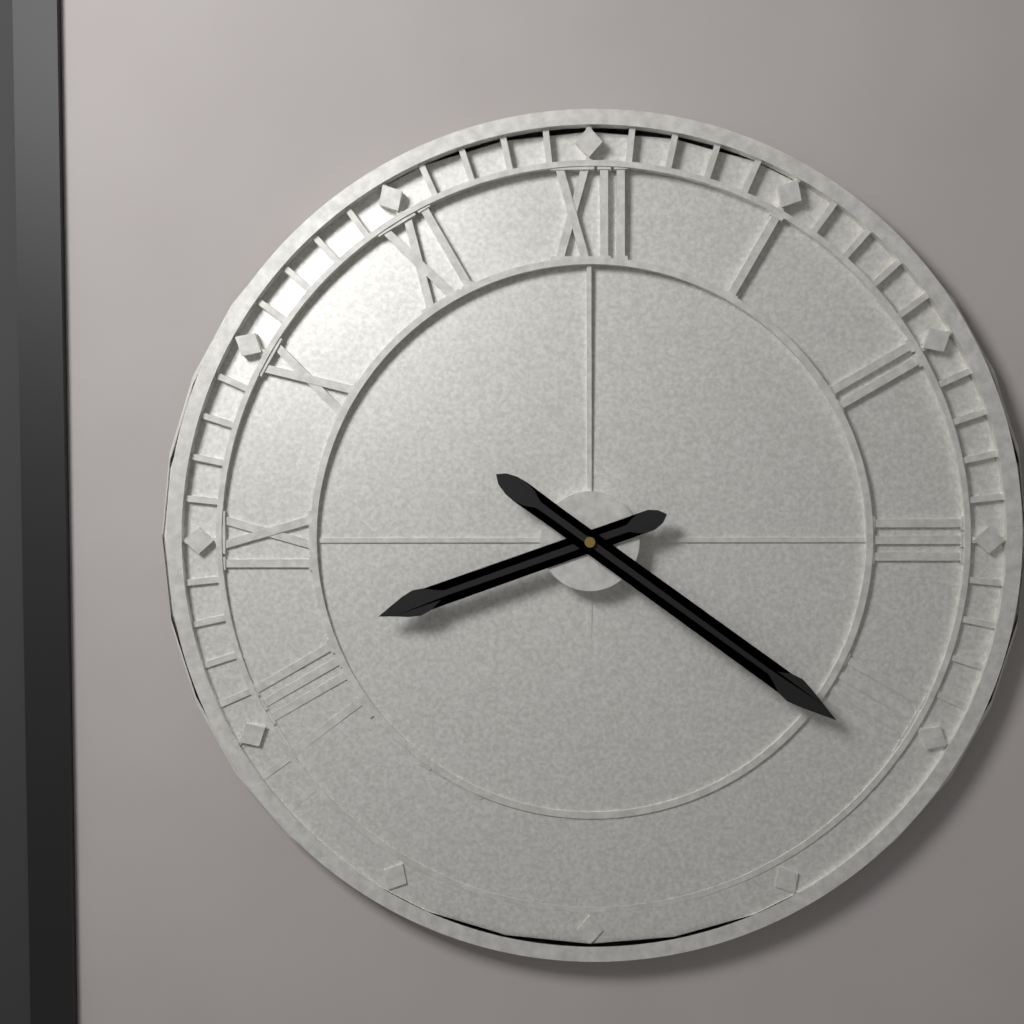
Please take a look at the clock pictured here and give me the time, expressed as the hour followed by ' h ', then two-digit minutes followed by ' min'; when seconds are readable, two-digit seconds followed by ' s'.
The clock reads 8 h 21 min
